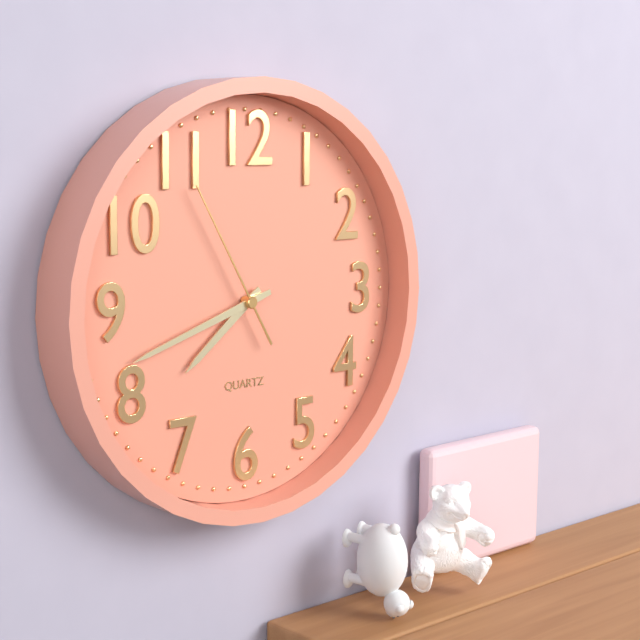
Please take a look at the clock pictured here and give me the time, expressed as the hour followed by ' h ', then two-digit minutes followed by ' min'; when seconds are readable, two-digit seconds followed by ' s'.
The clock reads 7 h 42 min 55 s
